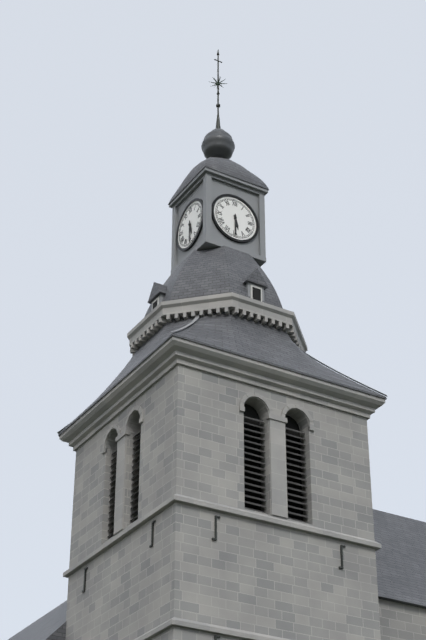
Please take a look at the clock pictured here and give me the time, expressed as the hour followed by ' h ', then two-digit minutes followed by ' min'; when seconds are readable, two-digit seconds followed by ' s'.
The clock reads 5 h 30 min
